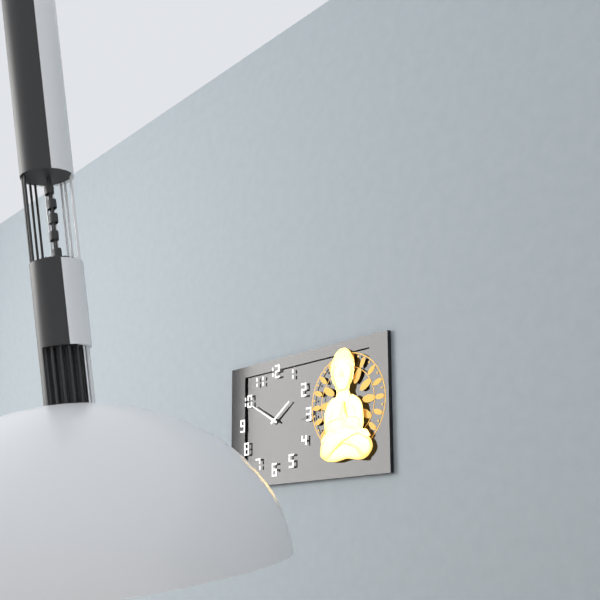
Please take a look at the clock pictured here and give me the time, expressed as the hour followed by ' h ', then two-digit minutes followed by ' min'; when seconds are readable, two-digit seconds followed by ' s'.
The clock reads 1 h 50 min
